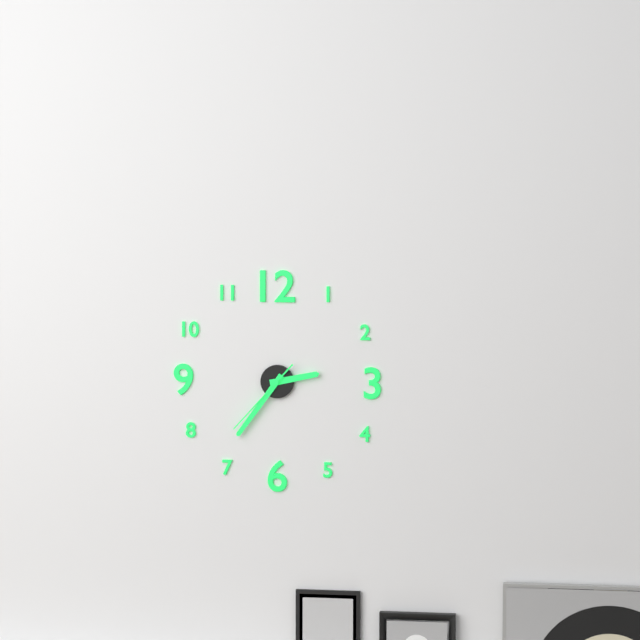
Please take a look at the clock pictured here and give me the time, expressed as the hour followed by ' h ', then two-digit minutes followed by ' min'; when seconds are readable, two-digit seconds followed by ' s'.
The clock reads 2 h 36 min 37 s
